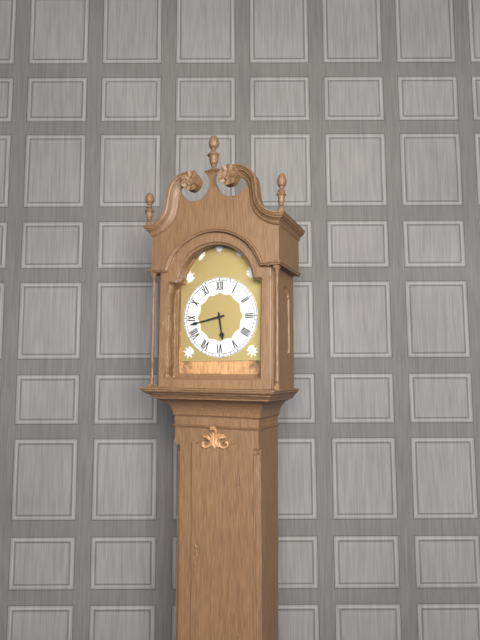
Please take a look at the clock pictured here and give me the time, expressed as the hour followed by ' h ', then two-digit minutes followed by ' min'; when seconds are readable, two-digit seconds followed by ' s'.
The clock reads 5 h 43 min
